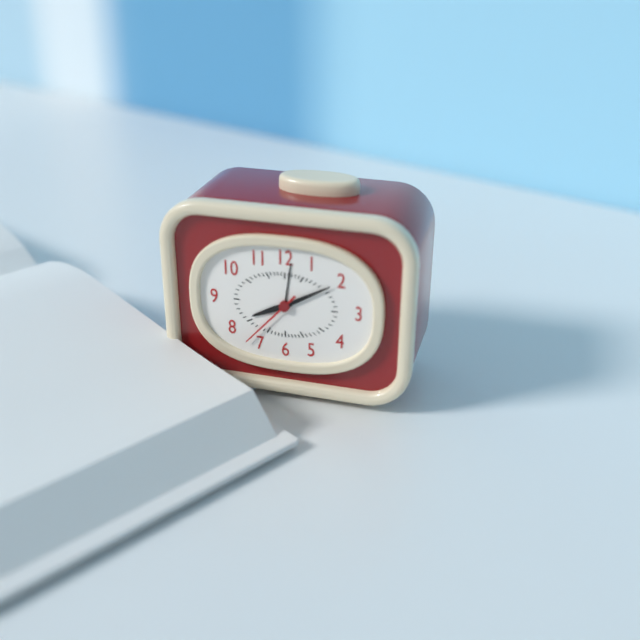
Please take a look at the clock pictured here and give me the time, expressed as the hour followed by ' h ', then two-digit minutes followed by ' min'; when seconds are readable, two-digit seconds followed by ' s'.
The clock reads 8 h 10 min 37 s
